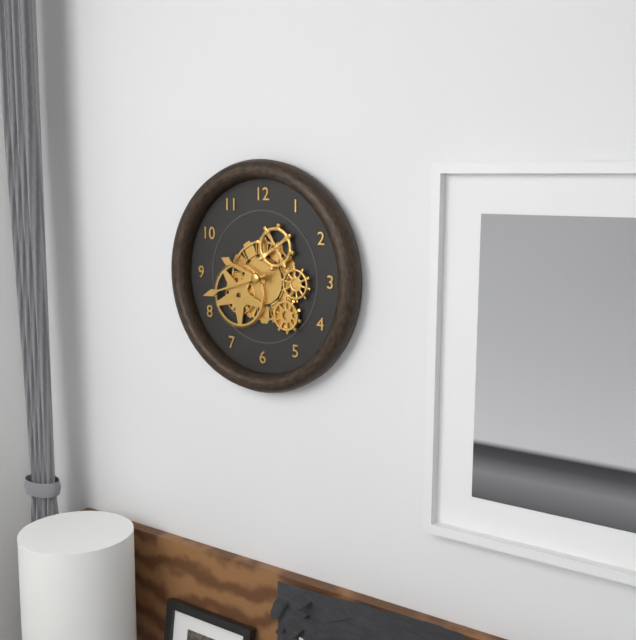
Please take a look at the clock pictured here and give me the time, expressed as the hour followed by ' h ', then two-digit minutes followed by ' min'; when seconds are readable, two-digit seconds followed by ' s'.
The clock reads 9 h 42 min
